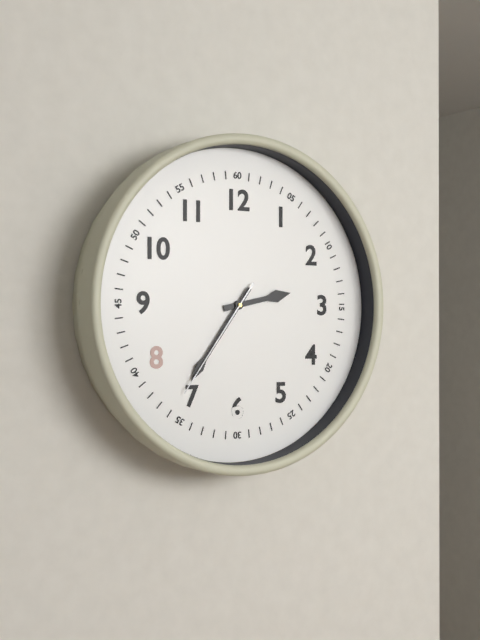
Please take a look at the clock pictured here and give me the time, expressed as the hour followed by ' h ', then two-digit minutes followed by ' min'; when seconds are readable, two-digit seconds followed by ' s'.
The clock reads 2 h 36 min 36 s
